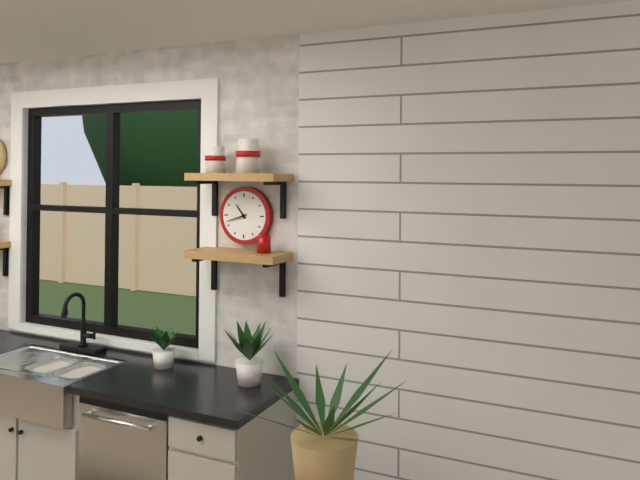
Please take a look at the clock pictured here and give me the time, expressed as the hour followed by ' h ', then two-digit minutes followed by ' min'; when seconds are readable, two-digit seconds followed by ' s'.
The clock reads 10 h 42 min
